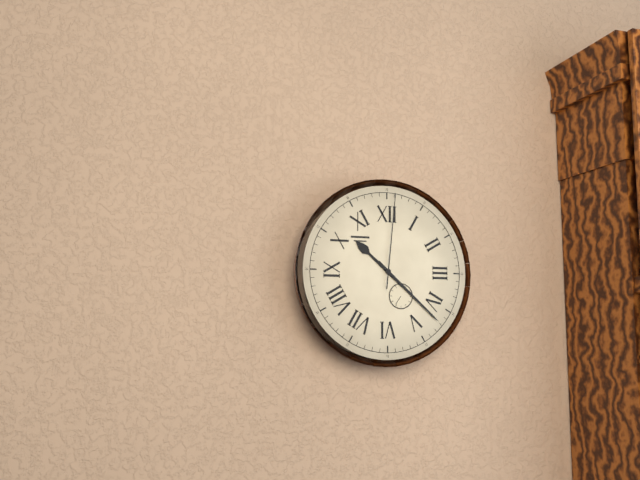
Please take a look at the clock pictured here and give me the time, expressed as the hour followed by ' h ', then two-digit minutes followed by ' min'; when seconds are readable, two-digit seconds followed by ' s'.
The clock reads 10 h 22 min 01 s
